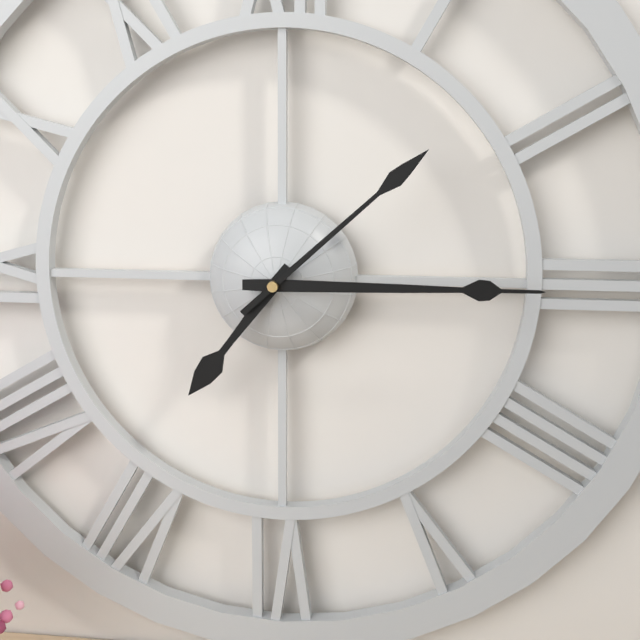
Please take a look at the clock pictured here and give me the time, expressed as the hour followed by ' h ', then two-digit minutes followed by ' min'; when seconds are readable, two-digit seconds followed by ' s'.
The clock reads 7 h 15 min 08 s
